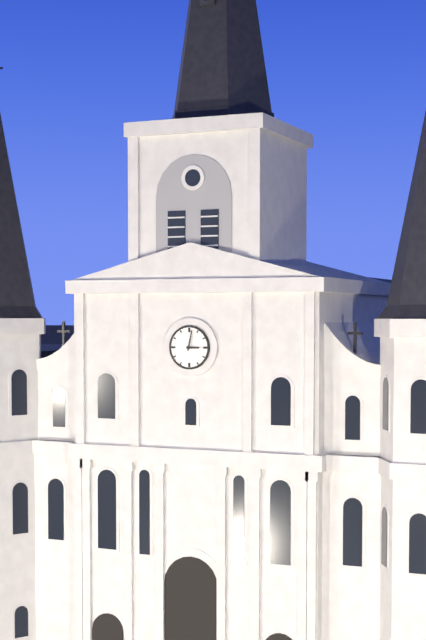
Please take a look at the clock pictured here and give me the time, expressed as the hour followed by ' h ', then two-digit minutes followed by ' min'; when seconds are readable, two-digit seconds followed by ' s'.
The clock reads 3 h 02 min
